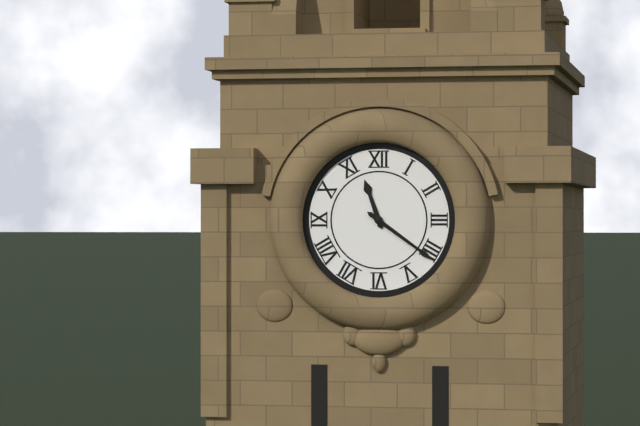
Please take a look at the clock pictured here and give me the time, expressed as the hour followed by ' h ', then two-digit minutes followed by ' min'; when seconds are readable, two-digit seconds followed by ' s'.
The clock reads 11 h 21 min
